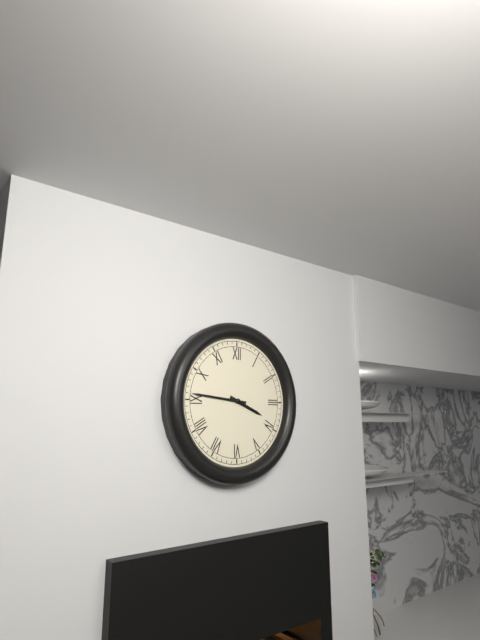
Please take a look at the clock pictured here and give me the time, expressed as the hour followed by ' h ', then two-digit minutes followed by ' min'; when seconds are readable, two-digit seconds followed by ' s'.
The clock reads 3 h 46 min
